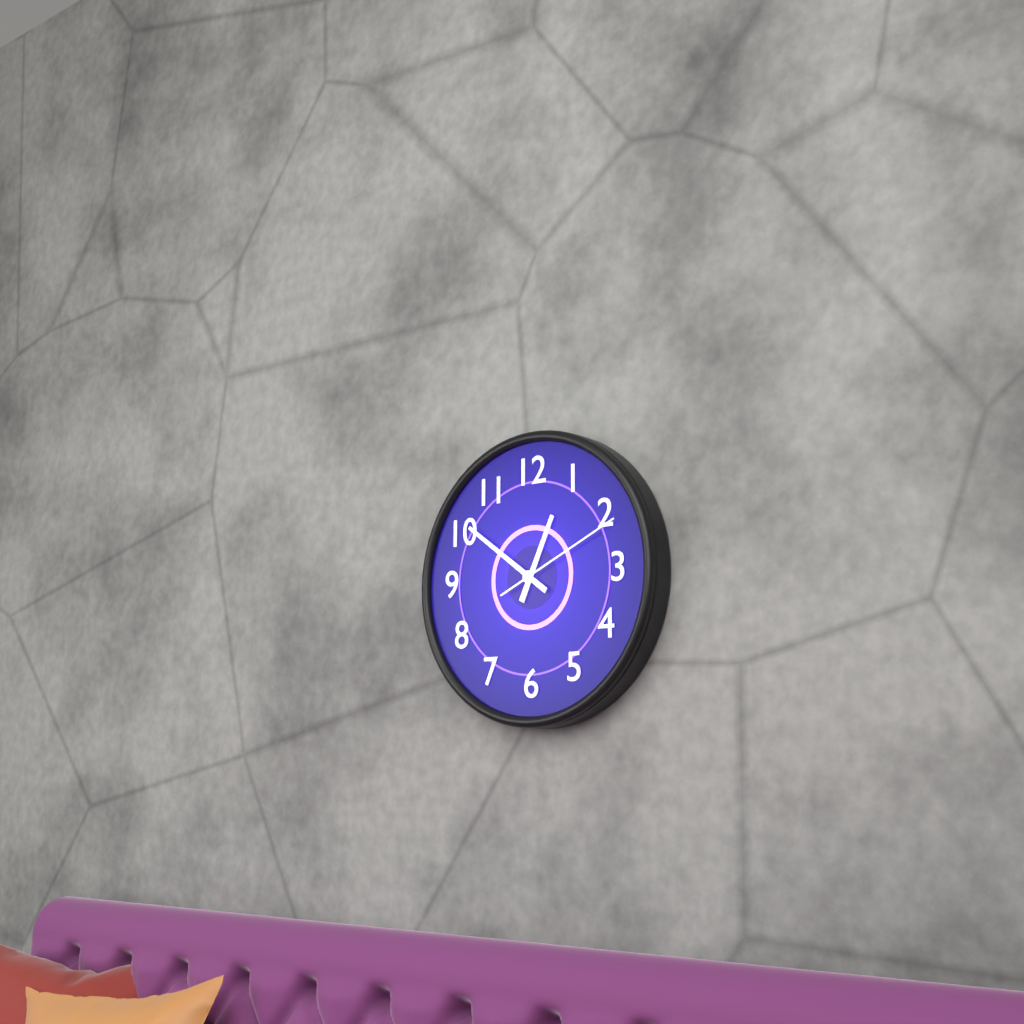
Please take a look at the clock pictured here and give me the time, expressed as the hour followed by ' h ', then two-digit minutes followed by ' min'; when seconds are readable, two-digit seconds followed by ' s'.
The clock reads 12 h 51 min 11 s
